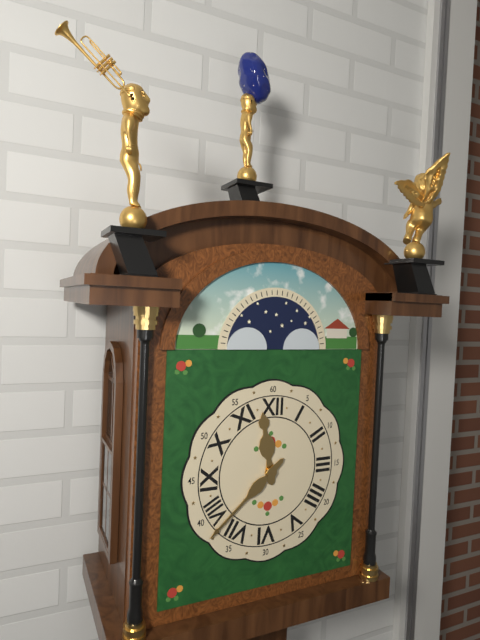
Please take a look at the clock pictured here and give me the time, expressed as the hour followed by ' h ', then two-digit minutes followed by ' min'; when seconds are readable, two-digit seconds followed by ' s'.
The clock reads 11 h 38 min
